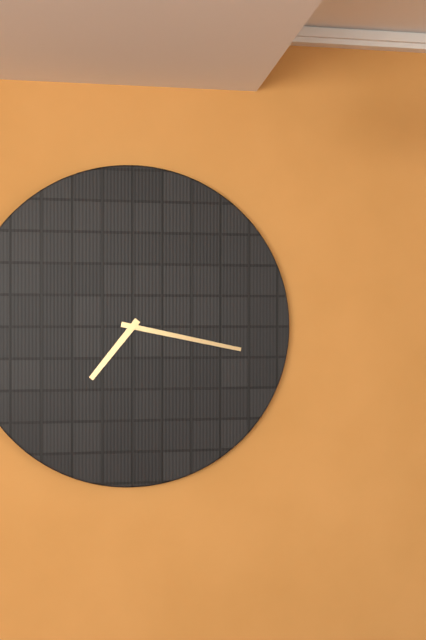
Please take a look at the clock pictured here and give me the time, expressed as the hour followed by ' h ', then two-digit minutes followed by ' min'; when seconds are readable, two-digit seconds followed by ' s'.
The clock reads 7 h 17 min
